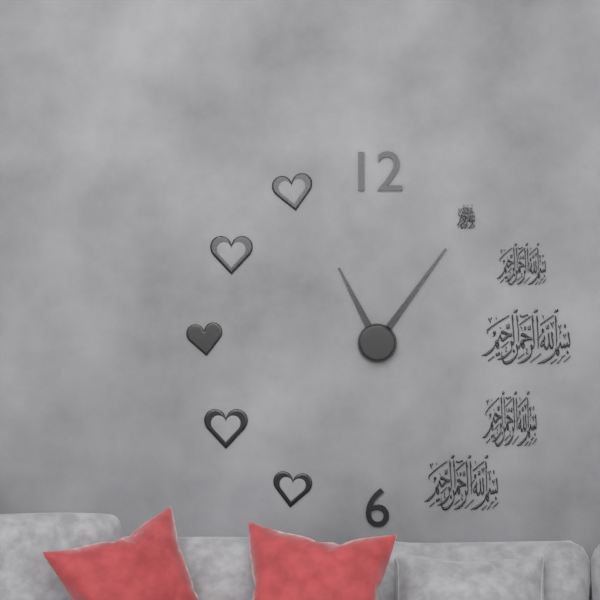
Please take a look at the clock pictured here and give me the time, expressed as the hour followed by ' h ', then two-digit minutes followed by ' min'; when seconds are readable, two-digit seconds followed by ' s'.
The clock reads 11 h 06 min
